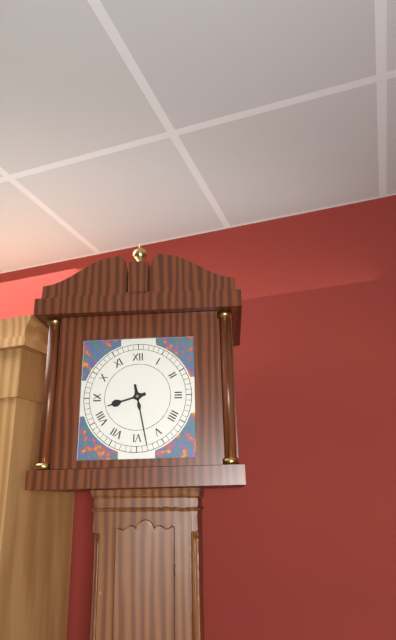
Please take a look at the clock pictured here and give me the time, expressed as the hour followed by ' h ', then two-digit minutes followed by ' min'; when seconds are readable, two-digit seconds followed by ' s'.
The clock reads 8 h 28 min
